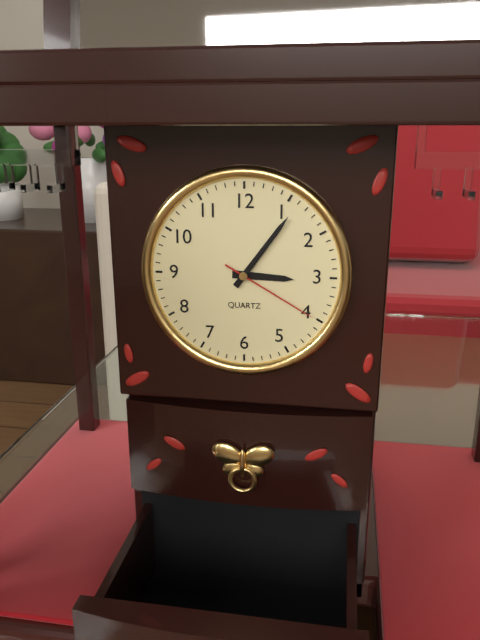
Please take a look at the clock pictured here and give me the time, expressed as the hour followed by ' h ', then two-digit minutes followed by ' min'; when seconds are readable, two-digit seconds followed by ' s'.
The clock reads 3 h 06 min 20 s
